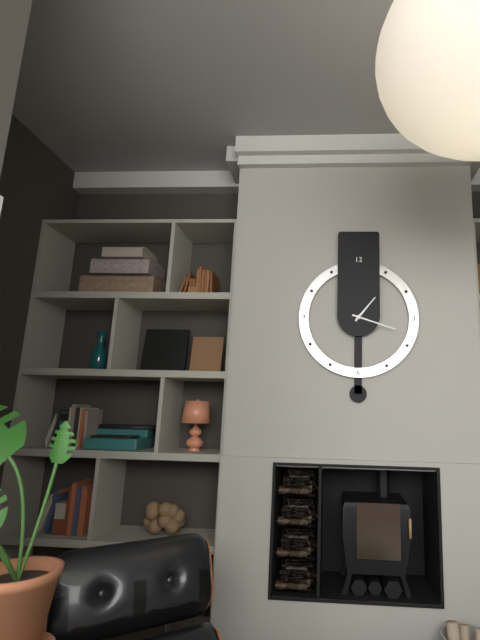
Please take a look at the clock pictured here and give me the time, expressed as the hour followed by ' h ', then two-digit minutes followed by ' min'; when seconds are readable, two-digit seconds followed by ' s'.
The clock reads 1 h 18 min
